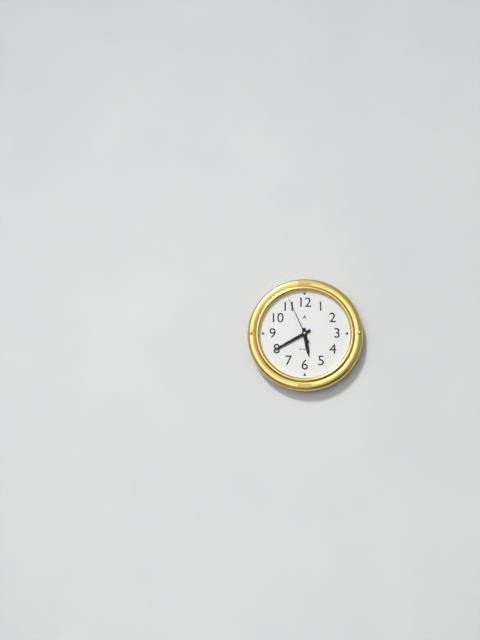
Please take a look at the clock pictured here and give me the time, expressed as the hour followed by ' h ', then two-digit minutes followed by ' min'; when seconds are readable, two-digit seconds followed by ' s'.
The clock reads 5 h 40 min
